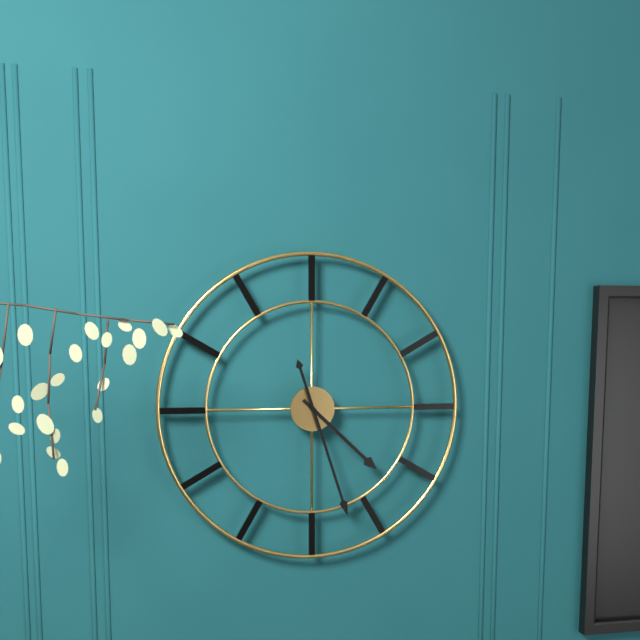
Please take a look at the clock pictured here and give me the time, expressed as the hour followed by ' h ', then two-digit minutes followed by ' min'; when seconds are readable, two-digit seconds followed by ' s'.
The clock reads 4 h 27 min
